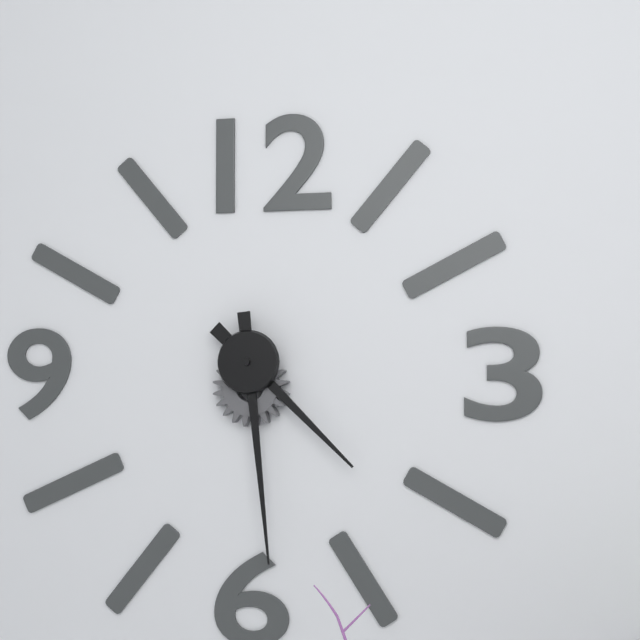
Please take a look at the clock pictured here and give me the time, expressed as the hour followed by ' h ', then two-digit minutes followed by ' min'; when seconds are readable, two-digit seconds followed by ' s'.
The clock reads 4 h 29 min
